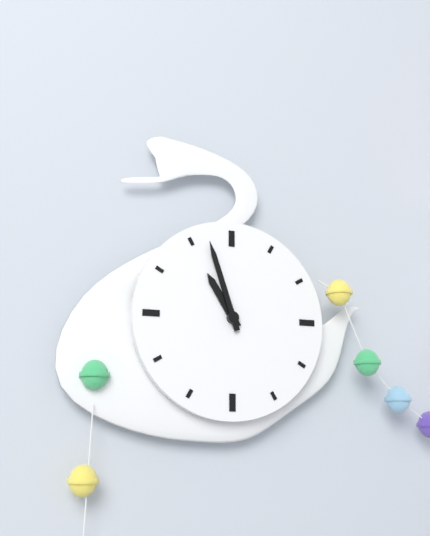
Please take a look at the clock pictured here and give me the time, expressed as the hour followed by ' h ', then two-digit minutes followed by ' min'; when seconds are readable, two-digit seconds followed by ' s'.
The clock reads 10 h 57 min
